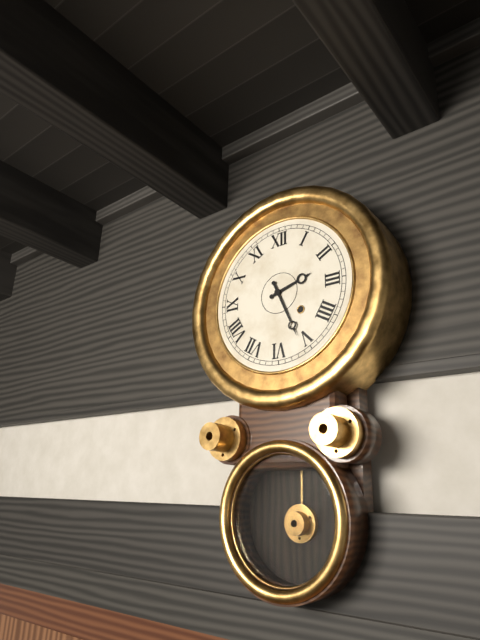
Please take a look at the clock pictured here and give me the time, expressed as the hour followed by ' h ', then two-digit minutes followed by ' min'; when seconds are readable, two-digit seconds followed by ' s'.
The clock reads 2 h 26 min
